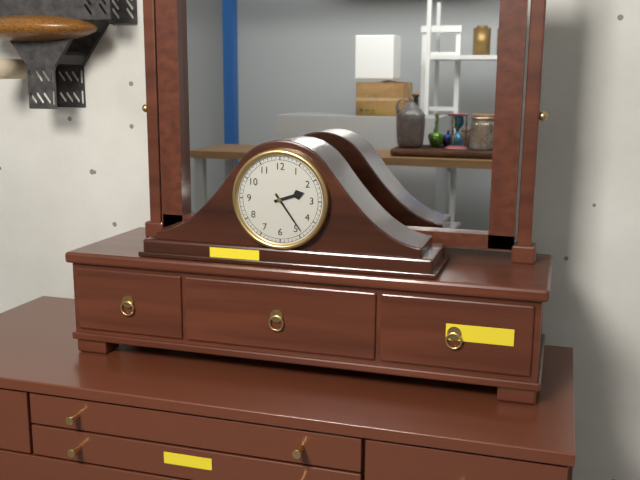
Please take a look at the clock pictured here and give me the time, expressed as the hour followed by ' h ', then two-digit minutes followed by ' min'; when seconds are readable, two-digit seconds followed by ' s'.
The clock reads 2 h 24 min
